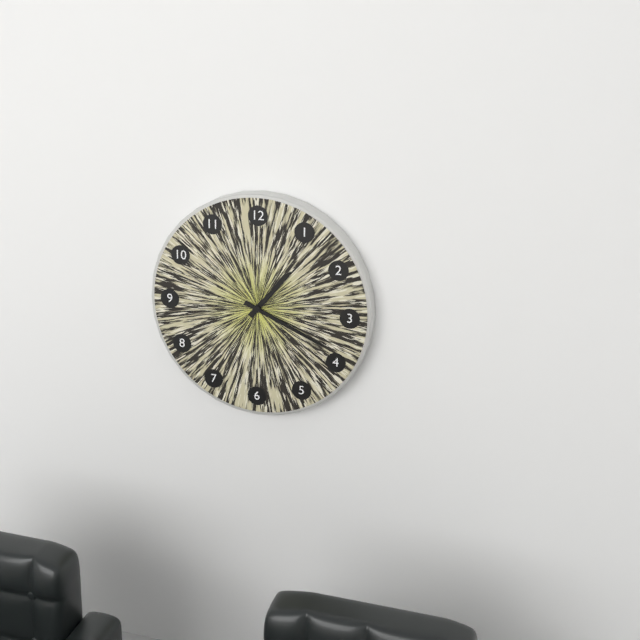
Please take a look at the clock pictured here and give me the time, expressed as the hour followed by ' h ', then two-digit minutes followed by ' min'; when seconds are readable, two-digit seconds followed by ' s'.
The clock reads 1 h 19 min
